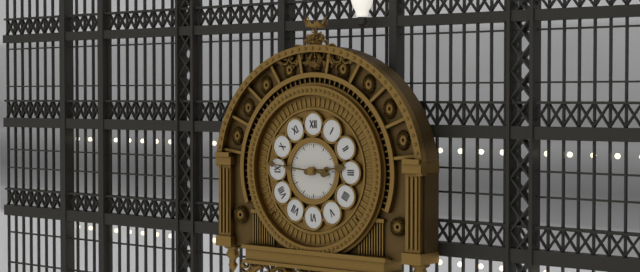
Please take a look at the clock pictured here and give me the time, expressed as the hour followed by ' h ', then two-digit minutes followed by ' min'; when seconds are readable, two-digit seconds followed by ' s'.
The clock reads 2 h 46 min
